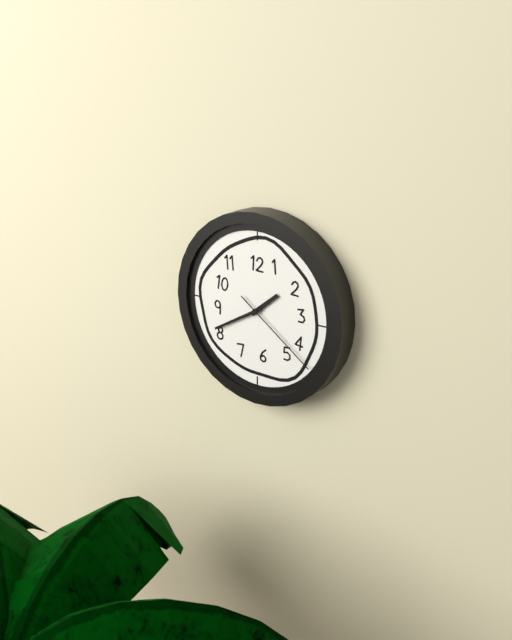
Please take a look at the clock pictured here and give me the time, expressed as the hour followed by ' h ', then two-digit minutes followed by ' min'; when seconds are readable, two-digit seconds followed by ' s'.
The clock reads 1 h 40 min 21 s
